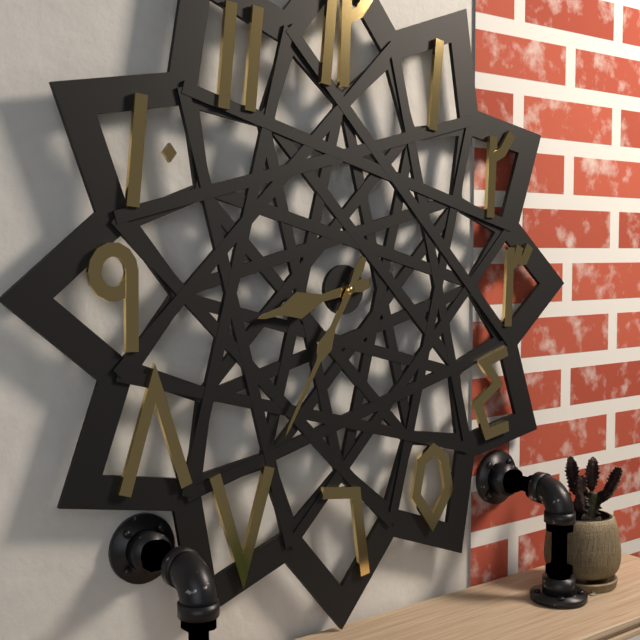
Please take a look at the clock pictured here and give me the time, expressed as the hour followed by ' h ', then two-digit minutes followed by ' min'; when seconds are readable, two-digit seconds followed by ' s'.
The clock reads 8 h 35 min
